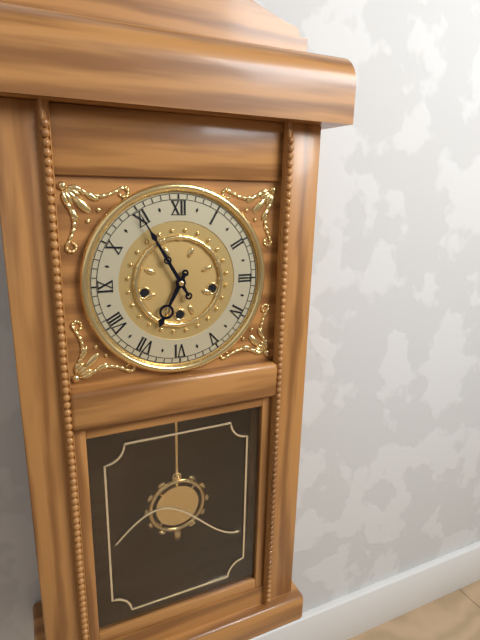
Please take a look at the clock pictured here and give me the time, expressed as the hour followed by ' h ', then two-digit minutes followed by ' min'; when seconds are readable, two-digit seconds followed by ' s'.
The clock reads 6 h 55 min
